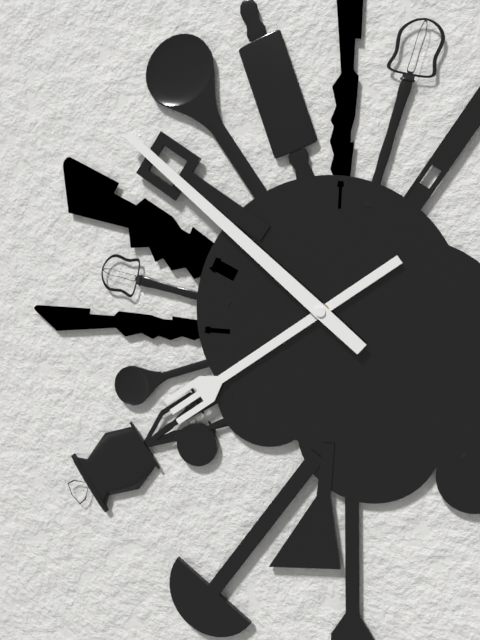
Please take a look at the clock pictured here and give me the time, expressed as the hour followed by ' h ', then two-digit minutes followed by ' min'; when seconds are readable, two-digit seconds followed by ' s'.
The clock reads 7 h 52 min
